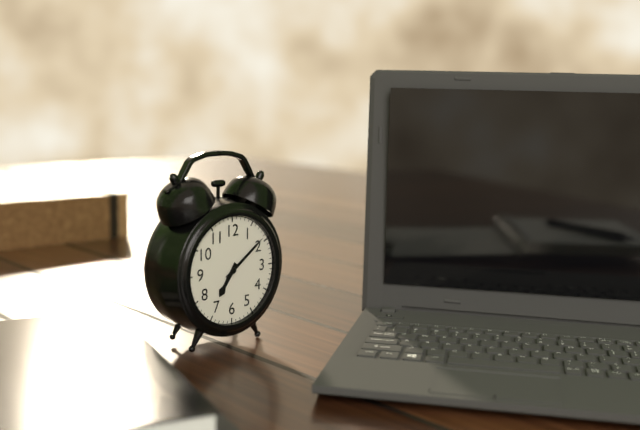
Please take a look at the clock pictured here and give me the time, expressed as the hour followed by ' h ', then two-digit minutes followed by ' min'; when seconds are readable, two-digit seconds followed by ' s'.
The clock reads 7 h 09 min
